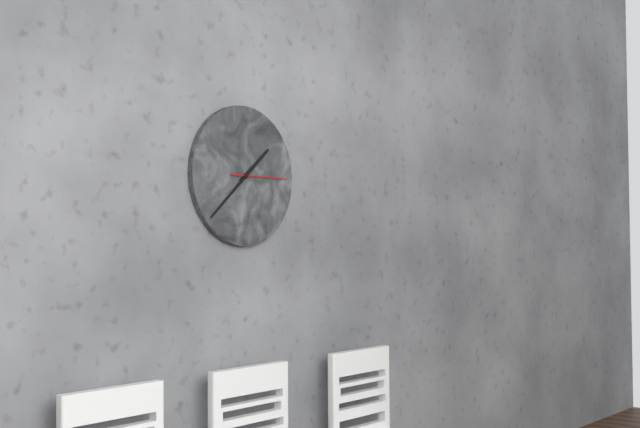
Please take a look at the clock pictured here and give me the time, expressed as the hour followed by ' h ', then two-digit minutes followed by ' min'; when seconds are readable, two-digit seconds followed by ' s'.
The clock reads 1 h 38 min 15 s
